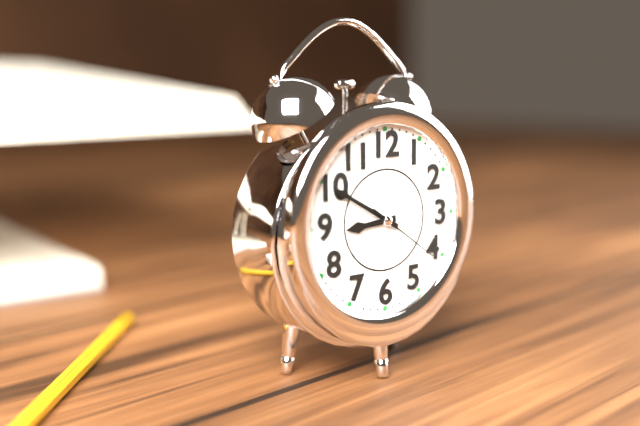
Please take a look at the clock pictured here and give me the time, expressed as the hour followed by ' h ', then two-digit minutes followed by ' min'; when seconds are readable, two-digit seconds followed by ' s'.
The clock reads 8 h 50 min 21 s
